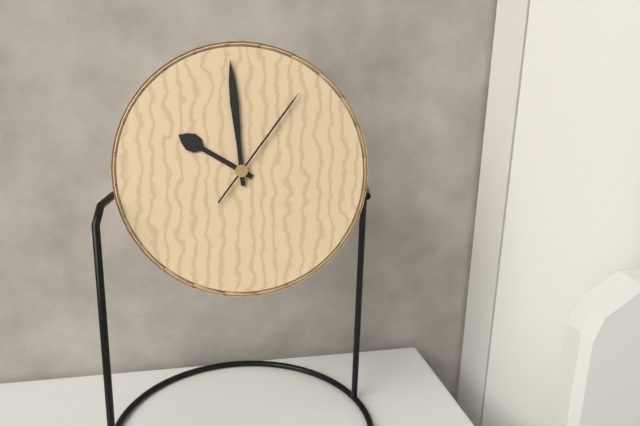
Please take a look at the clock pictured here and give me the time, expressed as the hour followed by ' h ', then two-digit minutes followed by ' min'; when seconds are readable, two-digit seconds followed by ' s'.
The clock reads 9 h 59 min 06 s
